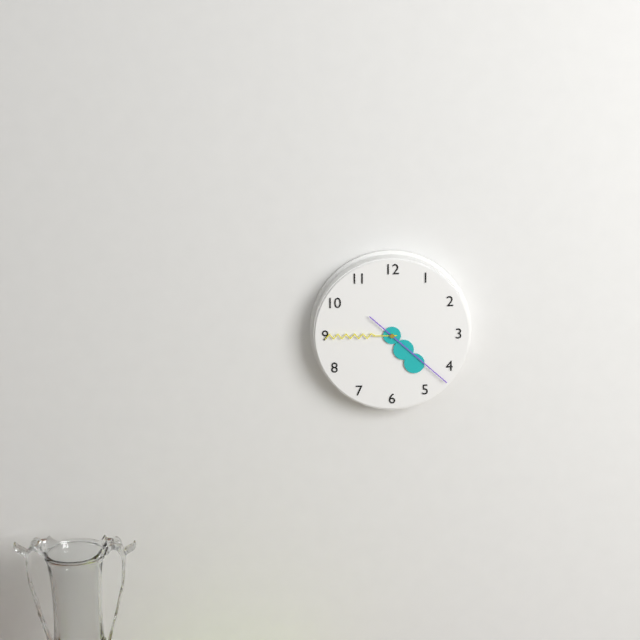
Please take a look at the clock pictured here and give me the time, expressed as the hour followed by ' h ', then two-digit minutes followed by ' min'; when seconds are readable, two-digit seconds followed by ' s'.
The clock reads 4 h 45 min 22 s
